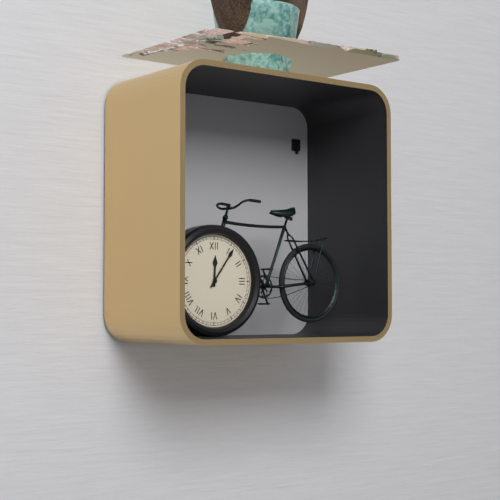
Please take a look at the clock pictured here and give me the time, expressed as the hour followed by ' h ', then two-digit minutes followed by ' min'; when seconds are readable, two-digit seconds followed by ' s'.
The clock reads 12 h 06 min
